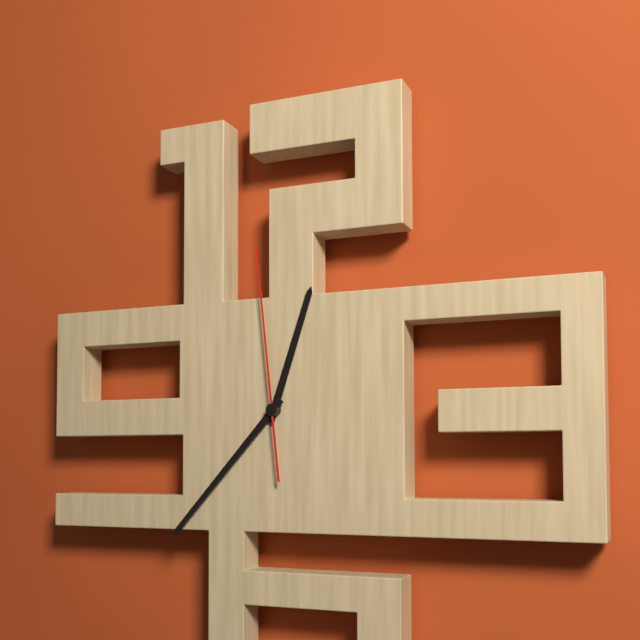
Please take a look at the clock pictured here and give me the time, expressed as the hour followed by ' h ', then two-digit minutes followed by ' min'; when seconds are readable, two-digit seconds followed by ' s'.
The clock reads 12 h 37 min 59 s
